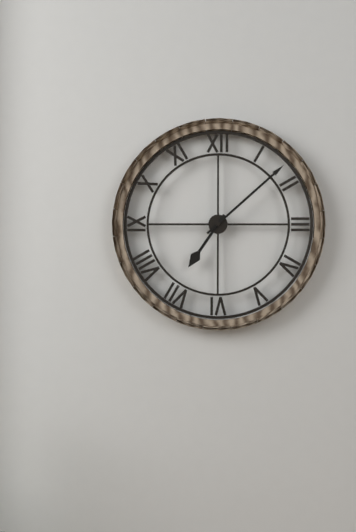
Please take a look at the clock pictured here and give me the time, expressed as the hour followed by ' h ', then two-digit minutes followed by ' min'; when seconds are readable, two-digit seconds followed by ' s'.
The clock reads 7 h 08 min
